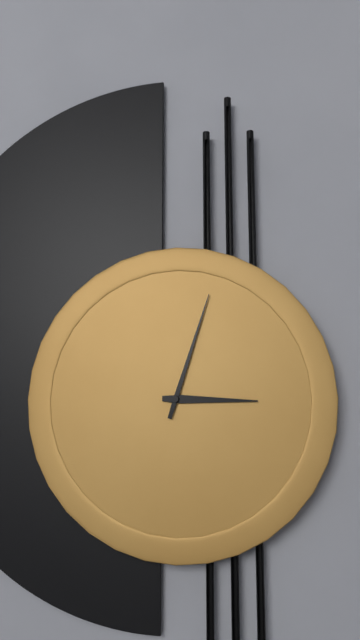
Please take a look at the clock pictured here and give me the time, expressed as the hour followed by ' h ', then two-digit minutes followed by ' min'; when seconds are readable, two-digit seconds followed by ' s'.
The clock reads 3 h 03 min
